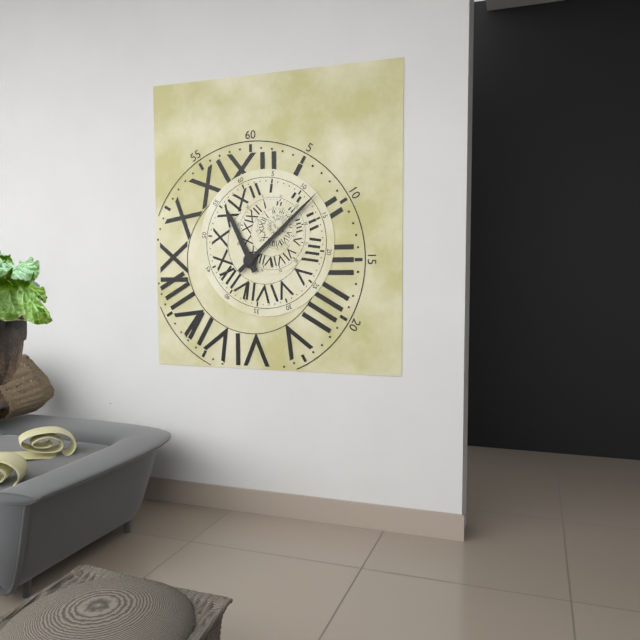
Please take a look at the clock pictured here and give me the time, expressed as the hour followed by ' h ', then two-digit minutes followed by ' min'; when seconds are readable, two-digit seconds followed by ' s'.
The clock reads 11 h 08 min
